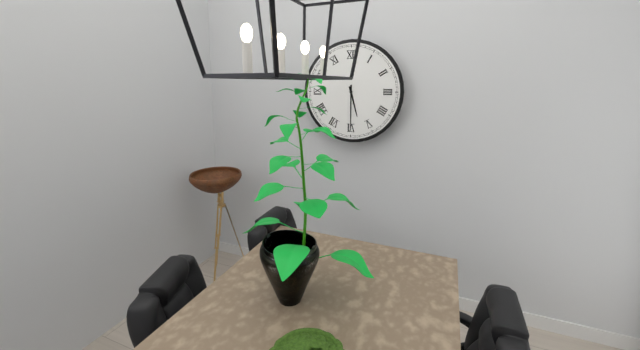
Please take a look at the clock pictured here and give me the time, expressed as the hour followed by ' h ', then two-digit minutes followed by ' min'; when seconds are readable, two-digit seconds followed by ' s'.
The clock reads 5 h 30 min
